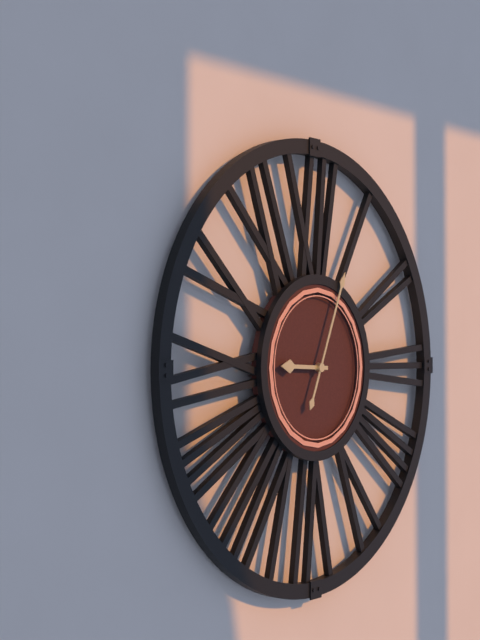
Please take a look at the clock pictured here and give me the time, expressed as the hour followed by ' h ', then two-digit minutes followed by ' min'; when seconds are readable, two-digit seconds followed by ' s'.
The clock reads 9 h 04 min
